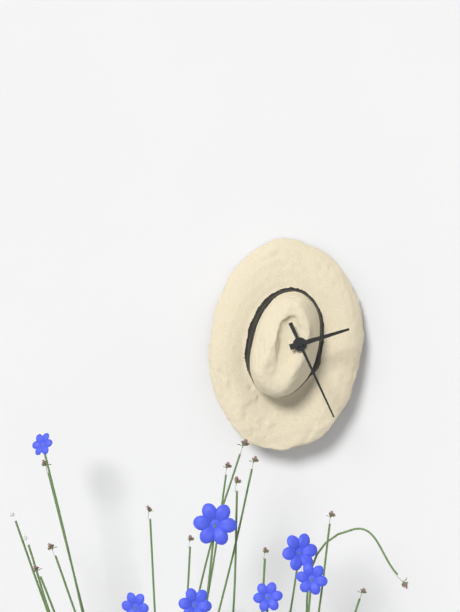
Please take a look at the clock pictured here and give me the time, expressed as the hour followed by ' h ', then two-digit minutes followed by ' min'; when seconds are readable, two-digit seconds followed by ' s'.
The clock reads 2 h 26 min
